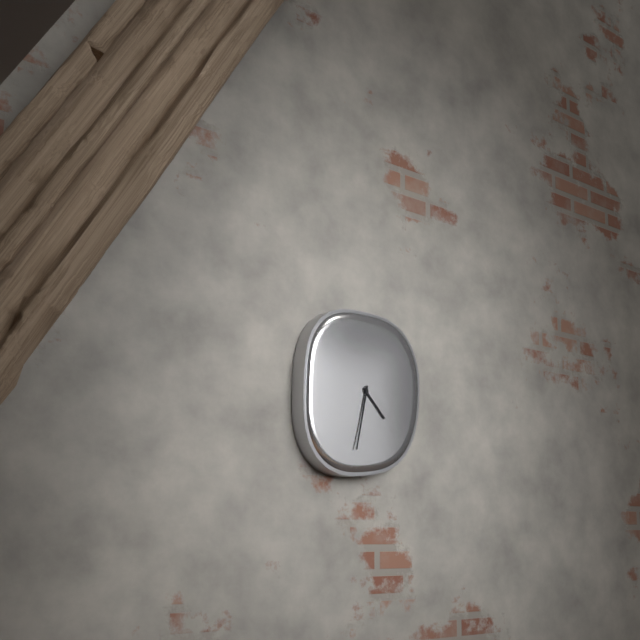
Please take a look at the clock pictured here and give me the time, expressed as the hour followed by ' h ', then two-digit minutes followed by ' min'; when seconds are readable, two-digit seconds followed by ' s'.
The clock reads 4 h 32 min
